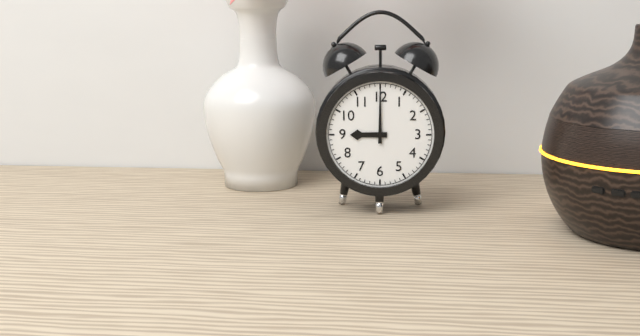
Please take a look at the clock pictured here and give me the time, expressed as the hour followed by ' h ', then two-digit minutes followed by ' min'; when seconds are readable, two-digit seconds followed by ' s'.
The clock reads 9 h 00 min
